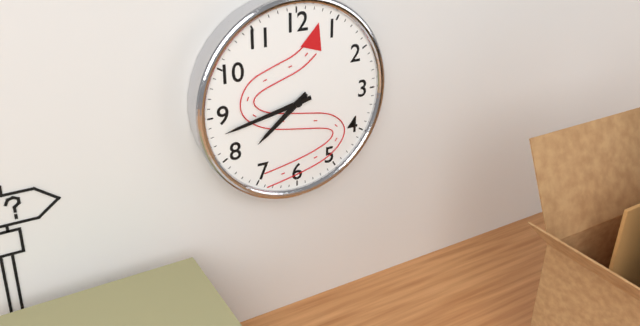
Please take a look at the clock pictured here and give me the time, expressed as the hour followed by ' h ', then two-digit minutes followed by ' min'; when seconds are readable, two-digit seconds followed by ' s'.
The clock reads 7 h 43 min
